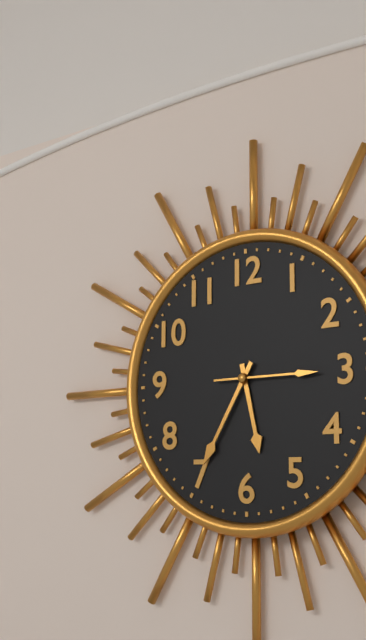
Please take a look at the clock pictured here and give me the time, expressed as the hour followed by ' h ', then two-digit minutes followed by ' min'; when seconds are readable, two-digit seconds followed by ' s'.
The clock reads 5 h 35 min 15 s
